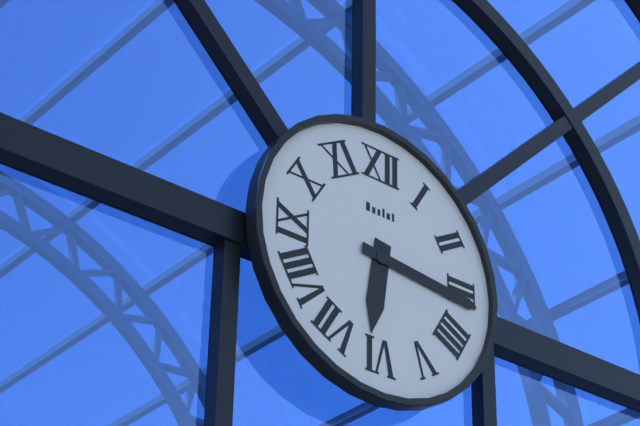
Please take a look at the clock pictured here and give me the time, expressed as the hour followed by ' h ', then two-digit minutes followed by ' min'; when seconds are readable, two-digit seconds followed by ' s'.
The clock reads 6 h 16 min
